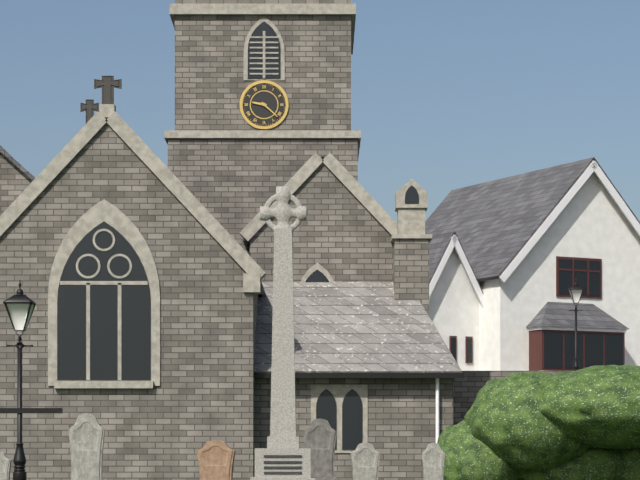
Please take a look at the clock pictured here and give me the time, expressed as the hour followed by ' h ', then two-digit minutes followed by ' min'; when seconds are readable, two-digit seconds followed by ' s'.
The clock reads 9 h 22 min
